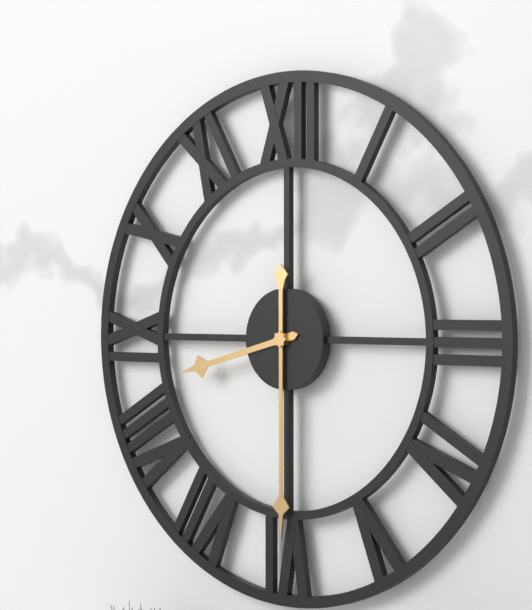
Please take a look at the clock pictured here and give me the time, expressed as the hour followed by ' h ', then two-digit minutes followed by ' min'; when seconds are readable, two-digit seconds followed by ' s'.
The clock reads 8 h 30 min
